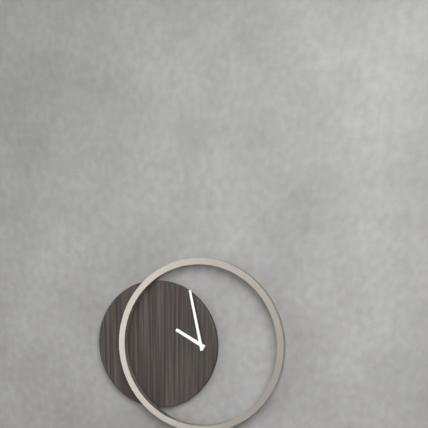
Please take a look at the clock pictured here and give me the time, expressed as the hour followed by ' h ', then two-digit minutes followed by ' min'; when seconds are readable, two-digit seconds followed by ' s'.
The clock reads 9 h 58 min
